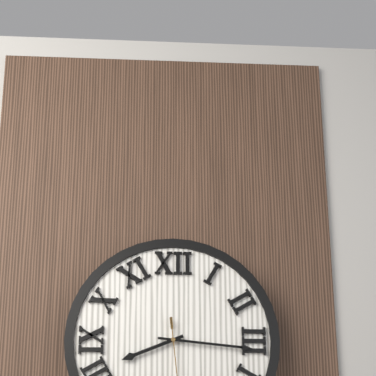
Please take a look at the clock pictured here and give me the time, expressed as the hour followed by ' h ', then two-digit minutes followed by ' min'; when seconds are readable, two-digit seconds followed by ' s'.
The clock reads 8 h 16 min
